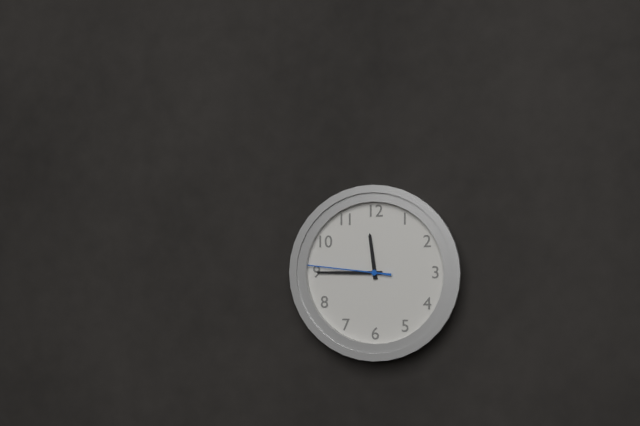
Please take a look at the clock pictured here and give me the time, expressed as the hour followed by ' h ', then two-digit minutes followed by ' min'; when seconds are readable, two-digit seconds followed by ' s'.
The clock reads 11 h 45 min 46 s
